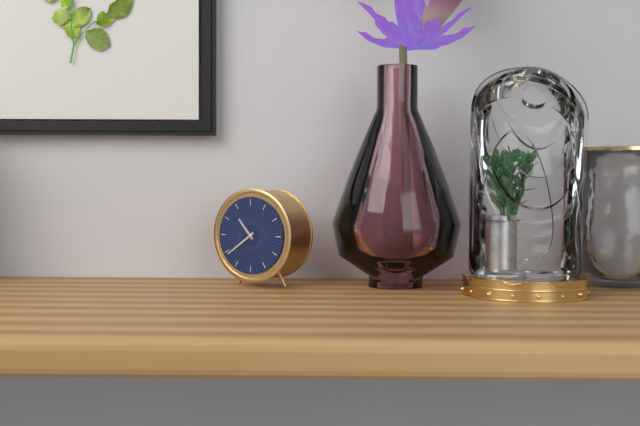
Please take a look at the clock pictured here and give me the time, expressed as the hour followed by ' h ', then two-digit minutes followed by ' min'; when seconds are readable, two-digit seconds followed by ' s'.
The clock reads 10 h 39 min
